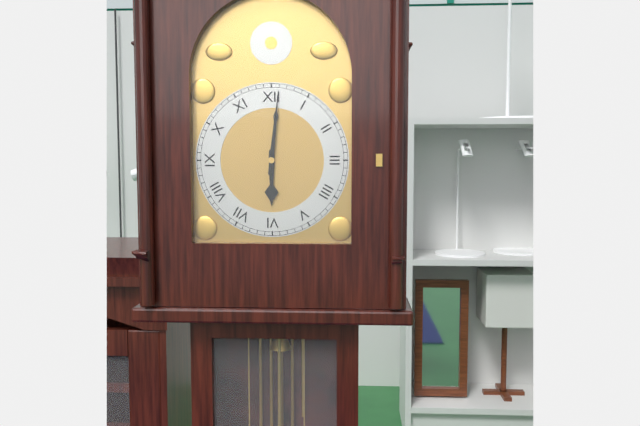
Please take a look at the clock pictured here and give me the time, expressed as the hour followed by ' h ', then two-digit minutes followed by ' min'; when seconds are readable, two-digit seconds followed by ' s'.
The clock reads 6 h 01 min
